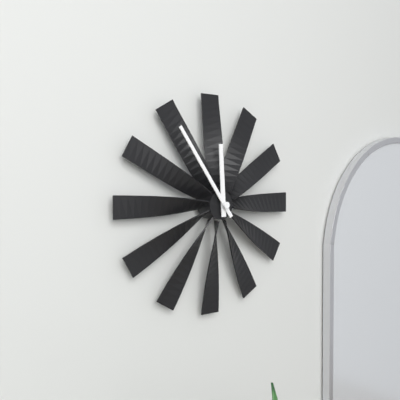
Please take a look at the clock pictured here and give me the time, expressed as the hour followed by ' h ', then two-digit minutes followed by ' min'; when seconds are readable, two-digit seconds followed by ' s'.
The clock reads 11 h 54 min
